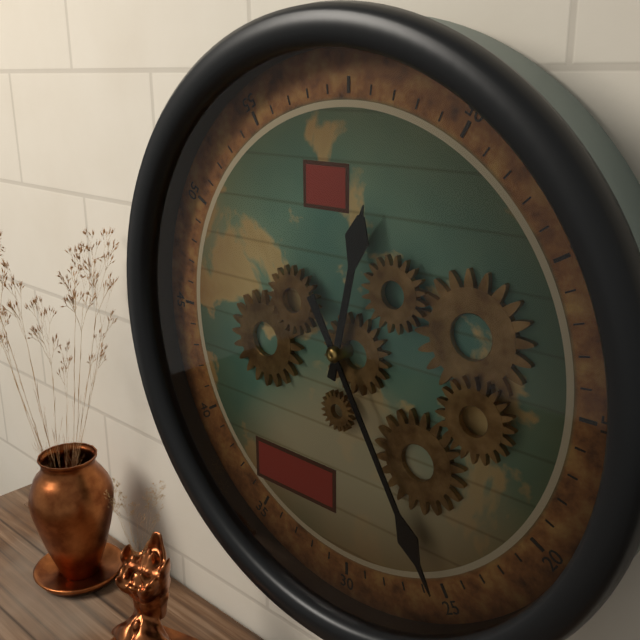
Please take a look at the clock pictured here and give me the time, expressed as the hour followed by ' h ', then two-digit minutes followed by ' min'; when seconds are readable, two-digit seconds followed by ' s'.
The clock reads 12 h 25 min
